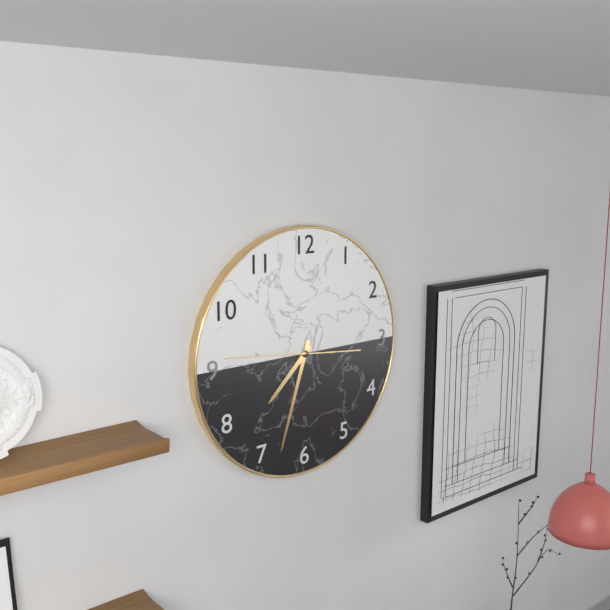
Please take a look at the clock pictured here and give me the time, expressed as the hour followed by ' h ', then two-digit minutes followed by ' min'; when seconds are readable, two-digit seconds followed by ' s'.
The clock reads 7 h 33 min 46 s
